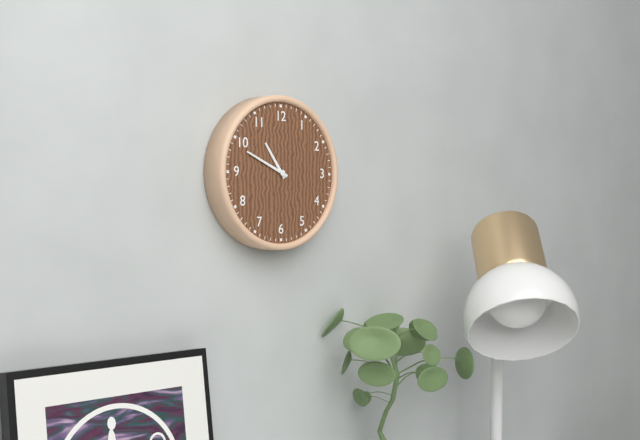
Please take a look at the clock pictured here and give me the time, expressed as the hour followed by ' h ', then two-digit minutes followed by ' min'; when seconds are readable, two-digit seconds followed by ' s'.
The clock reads 10 h 49 min
